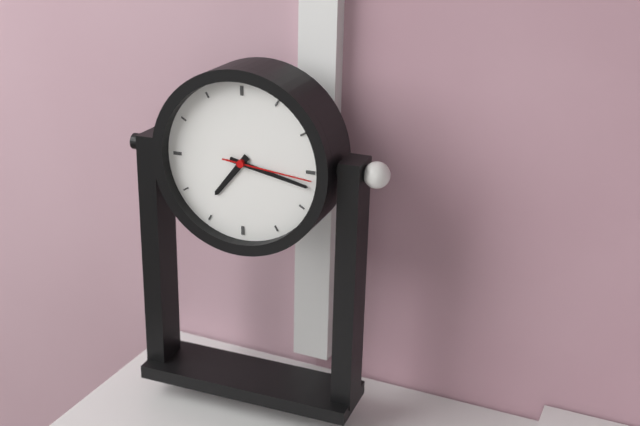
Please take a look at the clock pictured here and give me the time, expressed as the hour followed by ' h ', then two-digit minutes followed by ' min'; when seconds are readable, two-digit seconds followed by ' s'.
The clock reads 7 h 17 min 16 s
